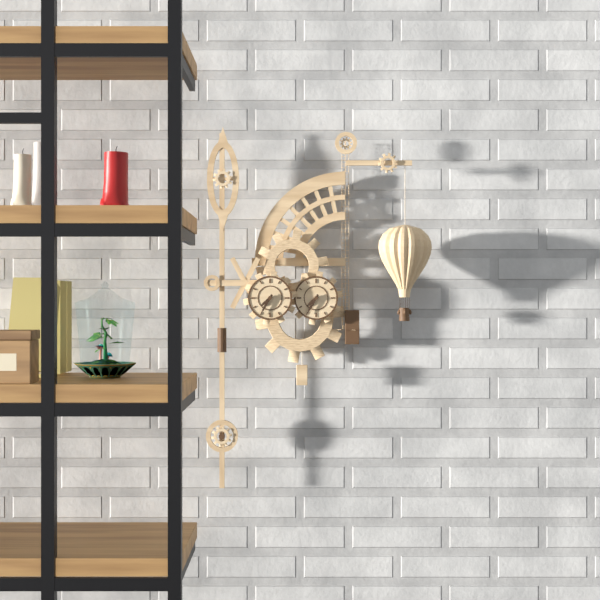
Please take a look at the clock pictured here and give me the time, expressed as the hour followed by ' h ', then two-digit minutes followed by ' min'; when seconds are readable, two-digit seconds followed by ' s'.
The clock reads 7 h 35 min
